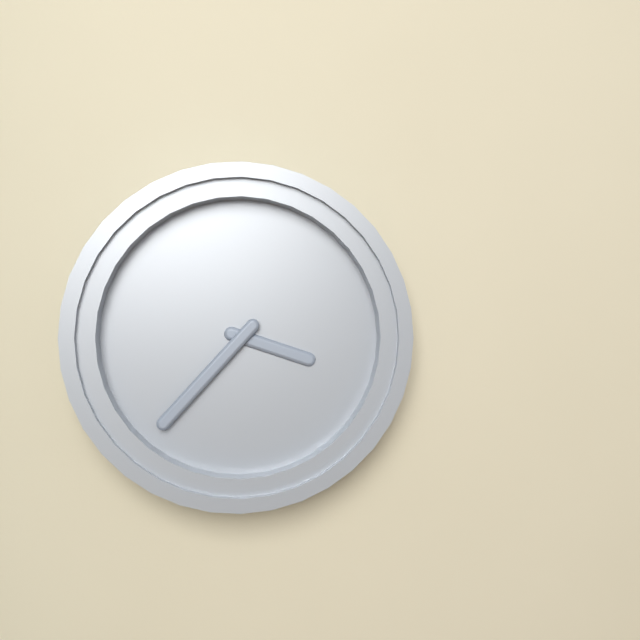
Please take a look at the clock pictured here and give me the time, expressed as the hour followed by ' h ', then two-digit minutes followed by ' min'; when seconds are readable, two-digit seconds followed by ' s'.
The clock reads 3 h 37 min
